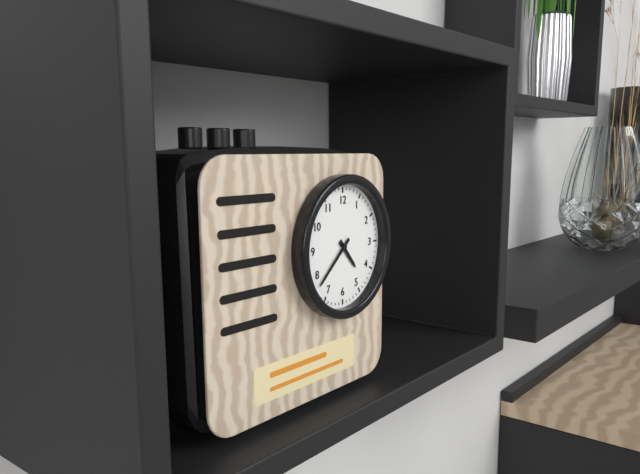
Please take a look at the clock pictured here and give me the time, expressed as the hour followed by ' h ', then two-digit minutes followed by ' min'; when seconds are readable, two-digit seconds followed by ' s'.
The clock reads 4 h 38 min
